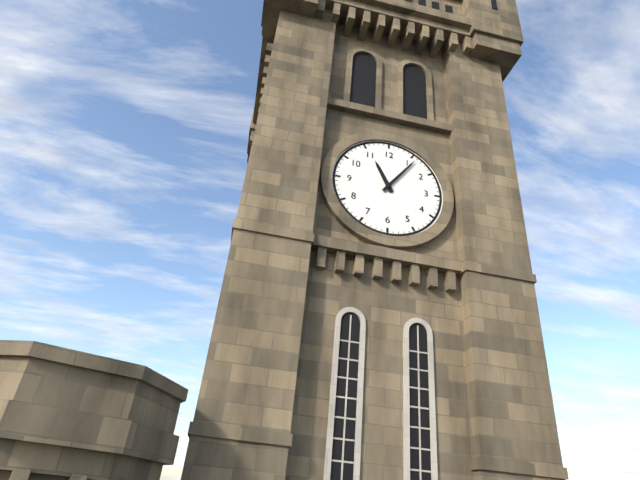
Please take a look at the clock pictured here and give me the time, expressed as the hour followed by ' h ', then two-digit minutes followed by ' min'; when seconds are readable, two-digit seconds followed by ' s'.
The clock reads 11 h 06 min
